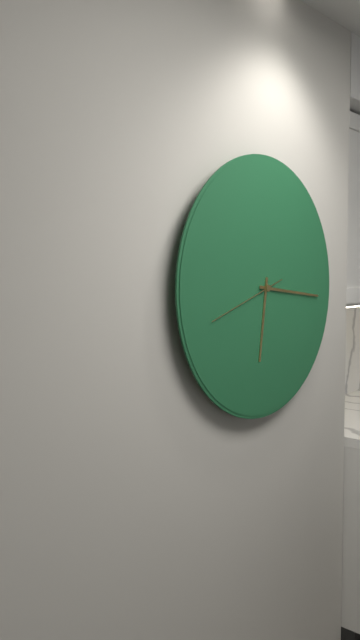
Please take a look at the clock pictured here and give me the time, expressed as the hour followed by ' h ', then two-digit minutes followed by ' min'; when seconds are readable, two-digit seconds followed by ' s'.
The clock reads 6 h 16 min 42 s
